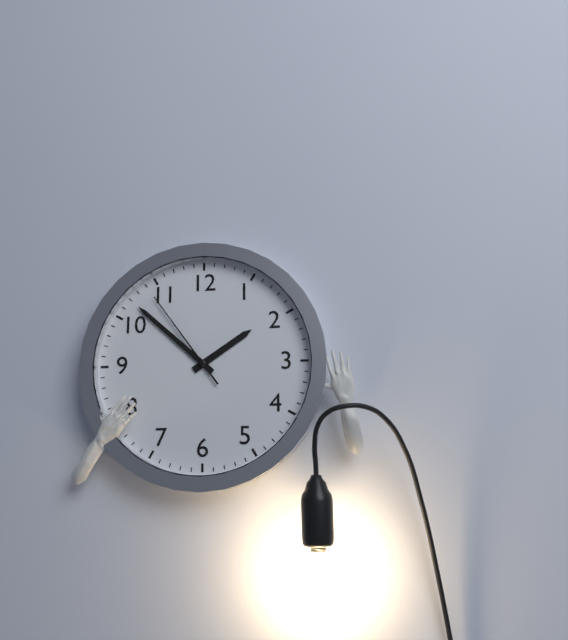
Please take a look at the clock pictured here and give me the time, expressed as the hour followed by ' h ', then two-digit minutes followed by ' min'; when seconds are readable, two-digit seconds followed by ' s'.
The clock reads 1 h 52 min 54 s
